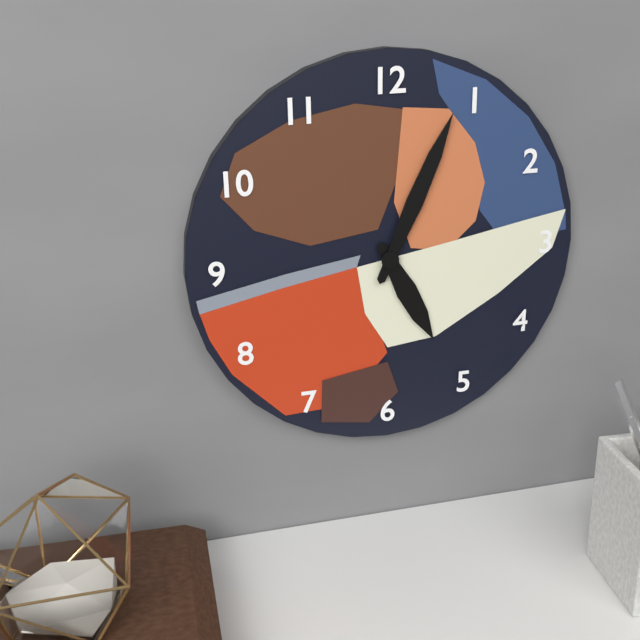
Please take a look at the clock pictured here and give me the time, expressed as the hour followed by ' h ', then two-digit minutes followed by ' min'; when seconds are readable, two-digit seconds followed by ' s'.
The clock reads 5 h 04 min
